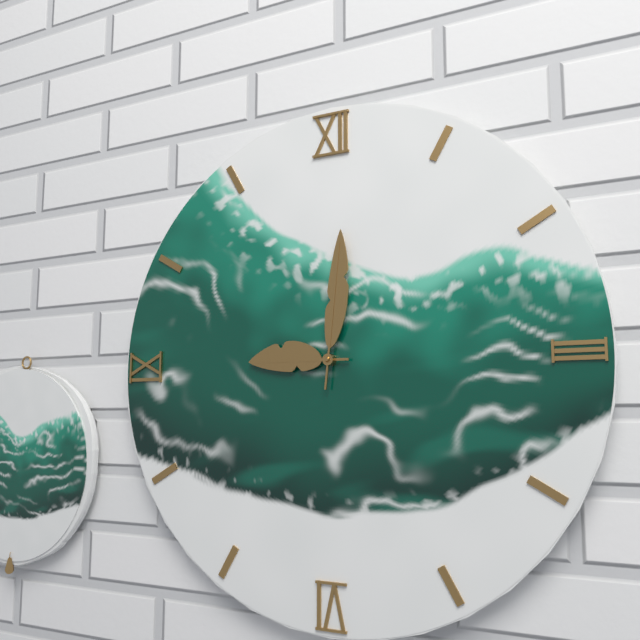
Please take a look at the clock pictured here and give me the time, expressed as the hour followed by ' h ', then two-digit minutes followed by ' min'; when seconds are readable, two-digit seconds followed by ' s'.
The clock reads 9 h 01 min
